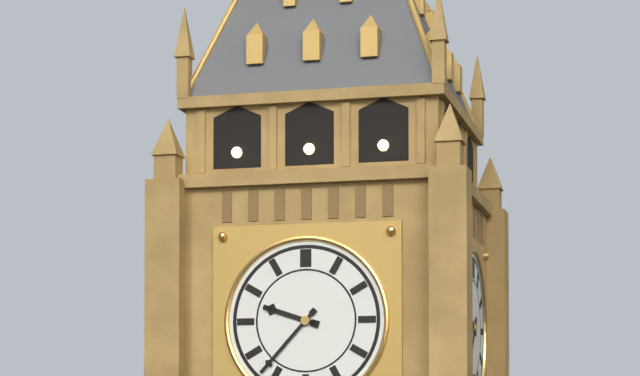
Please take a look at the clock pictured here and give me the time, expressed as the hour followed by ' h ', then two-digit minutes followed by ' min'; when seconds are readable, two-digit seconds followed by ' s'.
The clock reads 9 h 37 min
